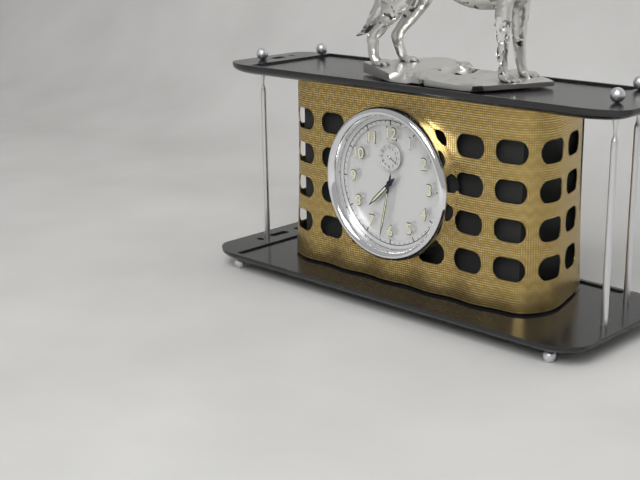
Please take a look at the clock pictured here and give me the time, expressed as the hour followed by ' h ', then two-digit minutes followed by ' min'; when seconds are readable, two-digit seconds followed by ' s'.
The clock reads 7 h 32 min
